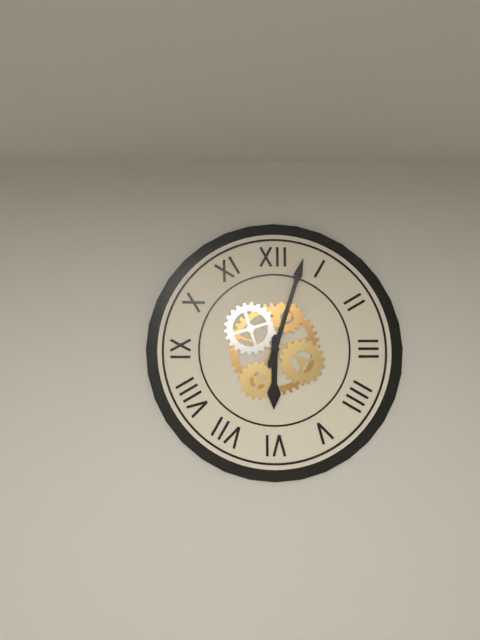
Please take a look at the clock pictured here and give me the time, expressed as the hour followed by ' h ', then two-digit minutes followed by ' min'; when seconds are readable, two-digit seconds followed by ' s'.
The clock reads 6 h 03 min
